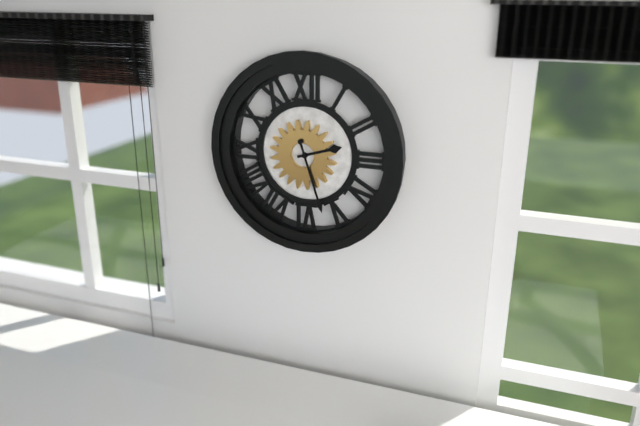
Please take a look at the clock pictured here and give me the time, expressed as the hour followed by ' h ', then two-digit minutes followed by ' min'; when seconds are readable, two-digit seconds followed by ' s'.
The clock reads 2 h 27 min
